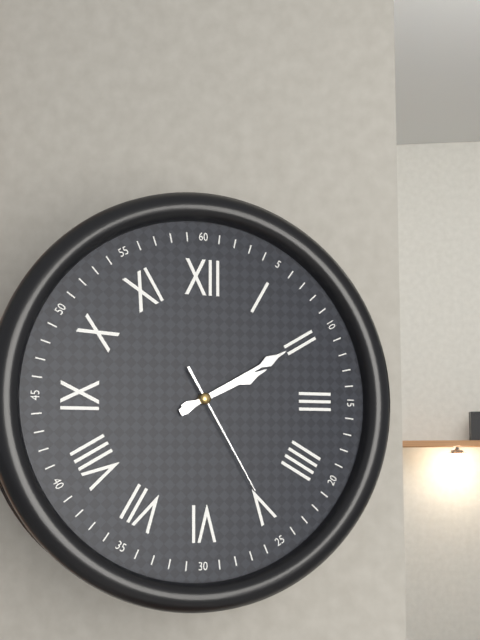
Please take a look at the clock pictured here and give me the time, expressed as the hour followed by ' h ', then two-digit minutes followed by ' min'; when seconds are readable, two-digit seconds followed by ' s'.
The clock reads 2 h 10 min 25 s
